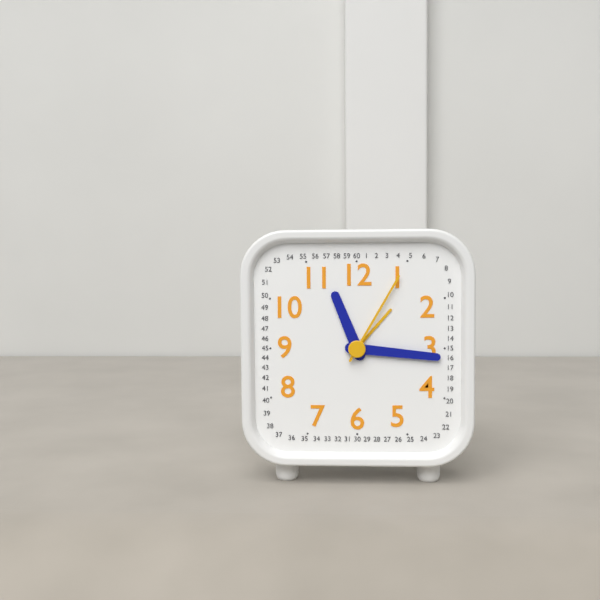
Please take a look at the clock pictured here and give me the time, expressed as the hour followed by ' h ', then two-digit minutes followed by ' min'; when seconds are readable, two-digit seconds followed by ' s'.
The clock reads 11 h 16 min 05 s
